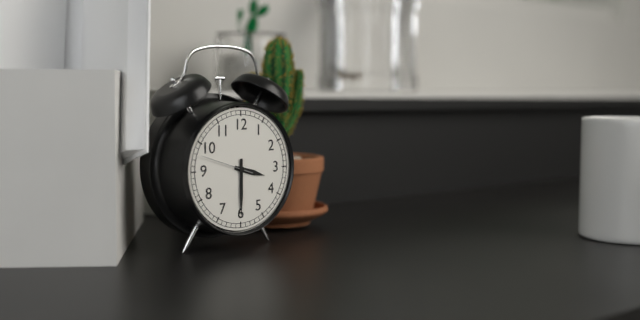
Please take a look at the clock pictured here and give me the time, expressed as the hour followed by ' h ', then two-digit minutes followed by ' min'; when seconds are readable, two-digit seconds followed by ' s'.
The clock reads 3 h 30 min 48 s
